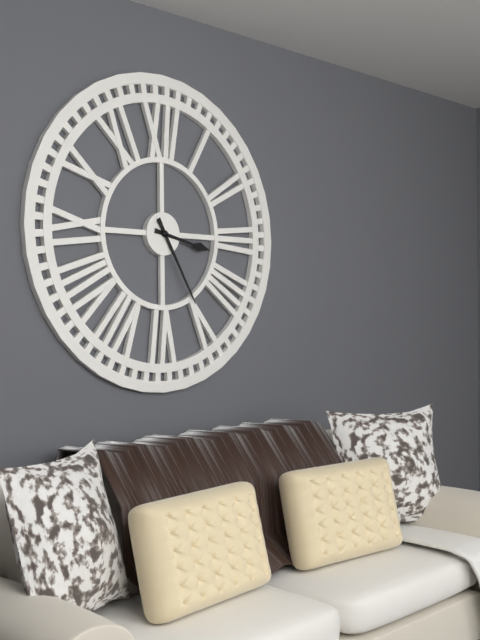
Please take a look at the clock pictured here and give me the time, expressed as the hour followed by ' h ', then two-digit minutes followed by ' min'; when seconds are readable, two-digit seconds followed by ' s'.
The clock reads 3 h 25 min
